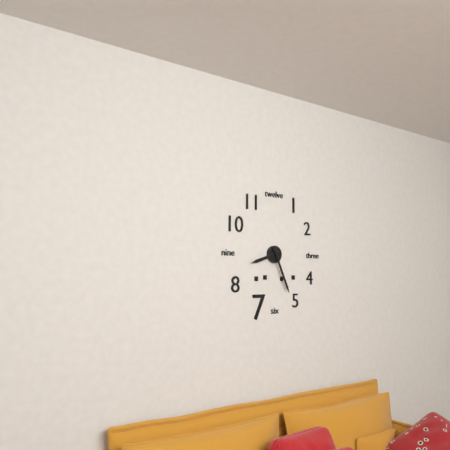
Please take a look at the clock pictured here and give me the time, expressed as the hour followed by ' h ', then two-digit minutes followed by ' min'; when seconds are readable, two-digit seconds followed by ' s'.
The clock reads 8 h 26 min
